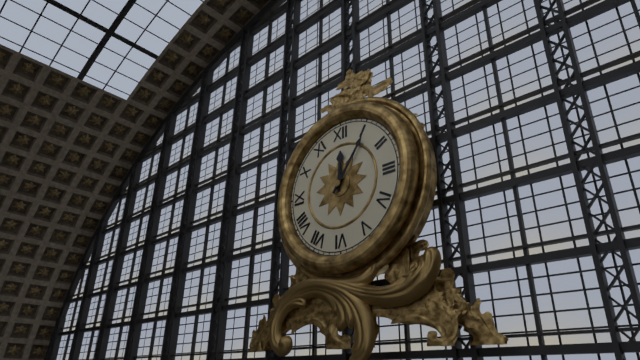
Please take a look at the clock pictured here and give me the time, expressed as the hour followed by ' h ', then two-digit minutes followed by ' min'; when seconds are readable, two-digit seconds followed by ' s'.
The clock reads 12 h 06 min
